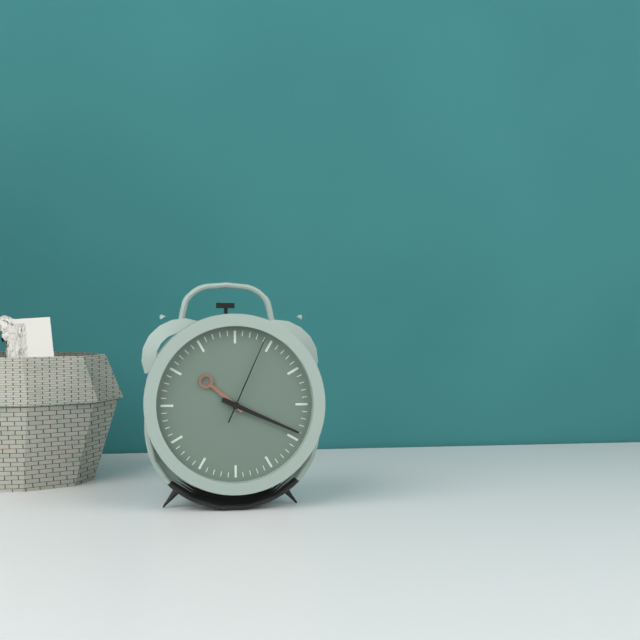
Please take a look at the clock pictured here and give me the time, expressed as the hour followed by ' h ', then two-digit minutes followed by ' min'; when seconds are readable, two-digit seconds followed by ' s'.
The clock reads 10 h 19 min 04 s
